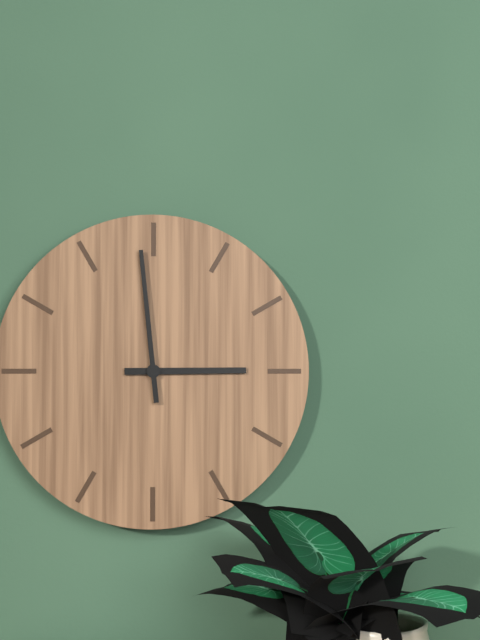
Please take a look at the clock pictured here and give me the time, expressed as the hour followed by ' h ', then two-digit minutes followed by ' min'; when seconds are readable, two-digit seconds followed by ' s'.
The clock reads 2 h 59 min
